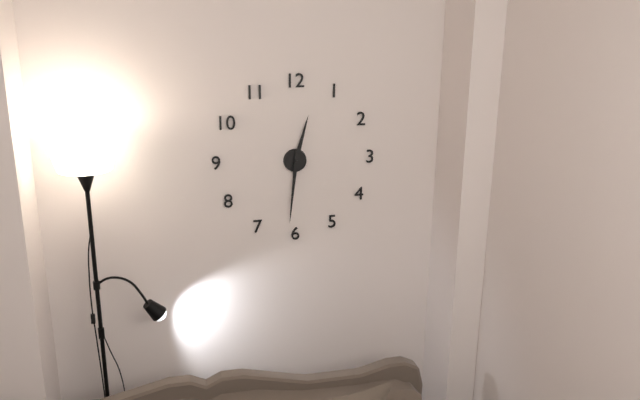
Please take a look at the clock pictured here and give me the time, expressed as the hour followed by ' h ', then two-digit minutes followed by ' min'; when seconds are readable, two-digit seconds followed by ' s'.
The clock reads 12 h 31 min
